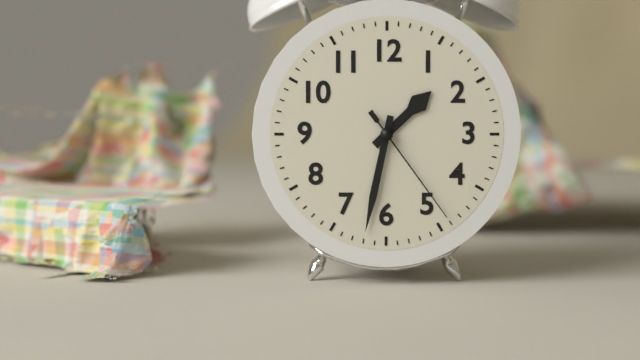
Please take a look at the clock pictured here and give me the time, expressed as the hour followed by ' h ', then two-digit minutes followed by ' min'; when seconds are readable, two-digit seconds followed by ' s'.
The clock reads 1 h 32 min 24 s
